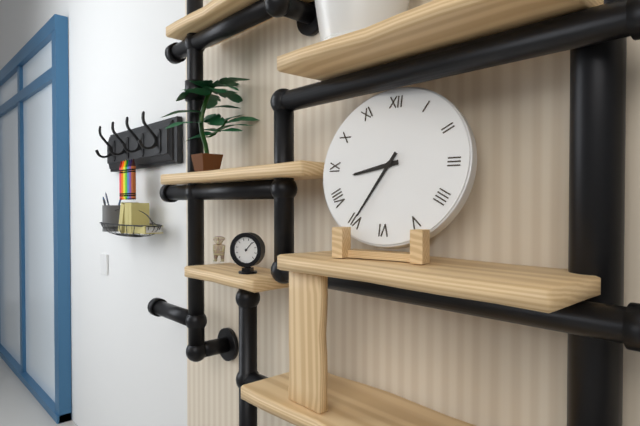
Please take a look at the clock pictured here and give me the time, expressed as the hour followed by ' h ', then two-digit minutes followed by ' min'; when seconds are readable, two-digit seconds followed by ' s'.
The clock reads 8 h 35 min
